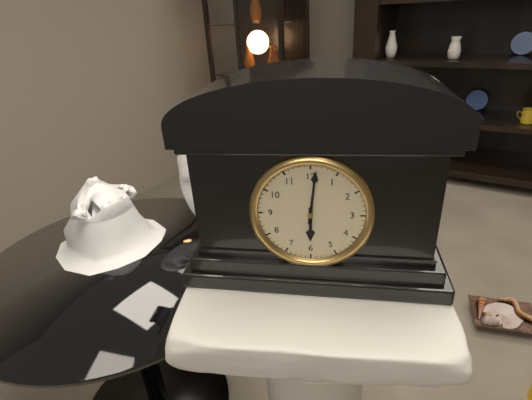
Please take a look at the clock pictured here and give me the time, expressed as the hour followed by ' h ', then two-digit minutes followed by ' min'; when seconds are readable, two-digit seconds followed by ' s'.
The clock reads 6 h 01 min
